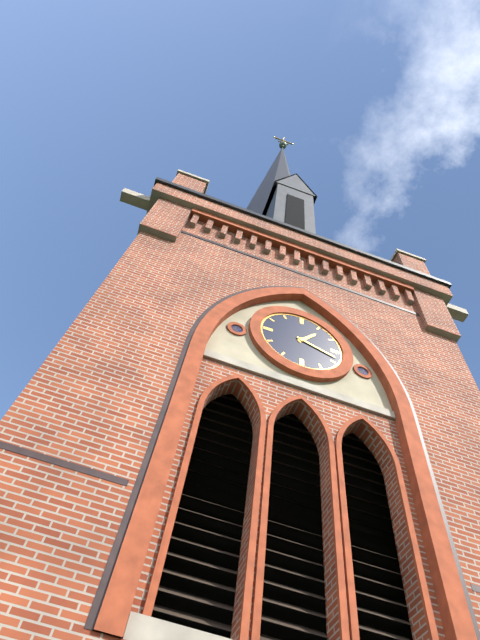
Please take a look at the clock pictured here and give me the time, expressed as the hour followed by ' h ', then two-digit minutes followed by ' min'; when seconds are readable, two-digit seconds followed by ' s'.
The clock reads 1 h 18 min
